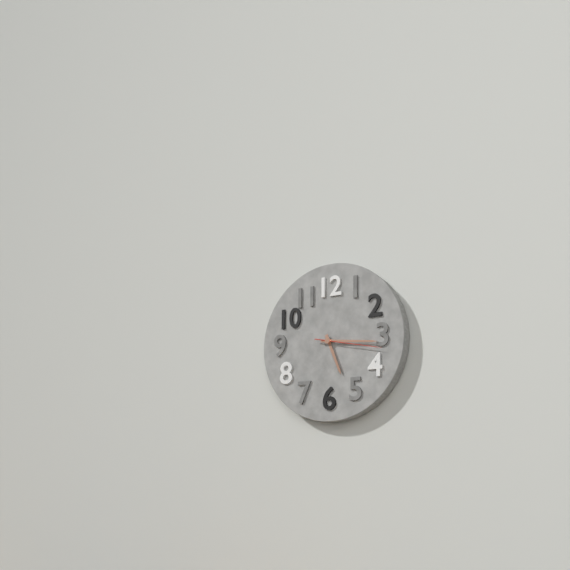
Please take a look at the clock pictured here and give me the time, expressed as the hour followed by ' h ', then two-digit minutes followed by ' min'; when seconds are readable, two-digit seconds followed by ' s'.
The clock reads 5 h 16 min 17 s
